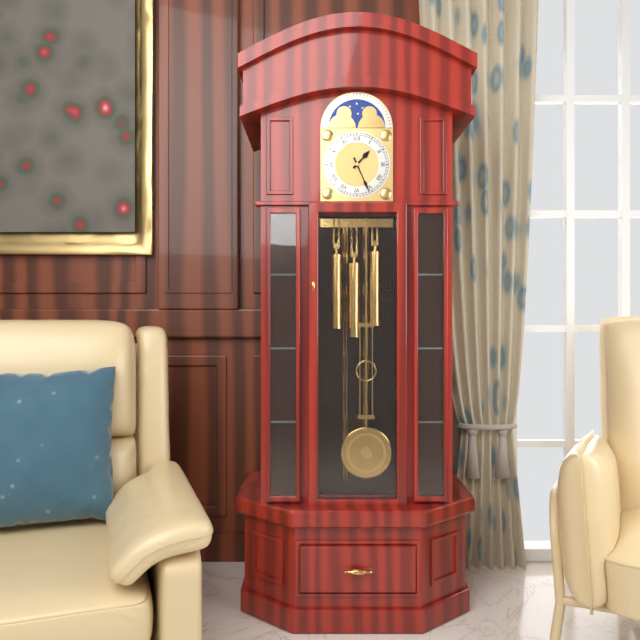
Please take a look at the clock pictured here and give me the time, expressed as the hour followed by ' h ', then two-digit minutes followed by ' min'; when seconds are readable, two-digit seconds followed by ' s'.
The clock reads 1 h 26 min
